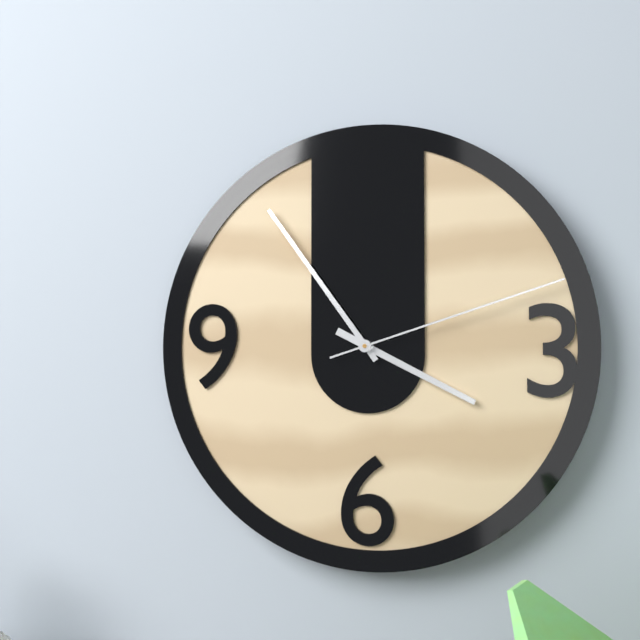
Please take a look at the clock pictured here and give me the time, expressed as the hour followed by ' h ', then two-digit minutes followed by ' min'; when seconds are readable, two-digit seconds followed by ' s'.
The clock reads 3 h 54 min 12 s
